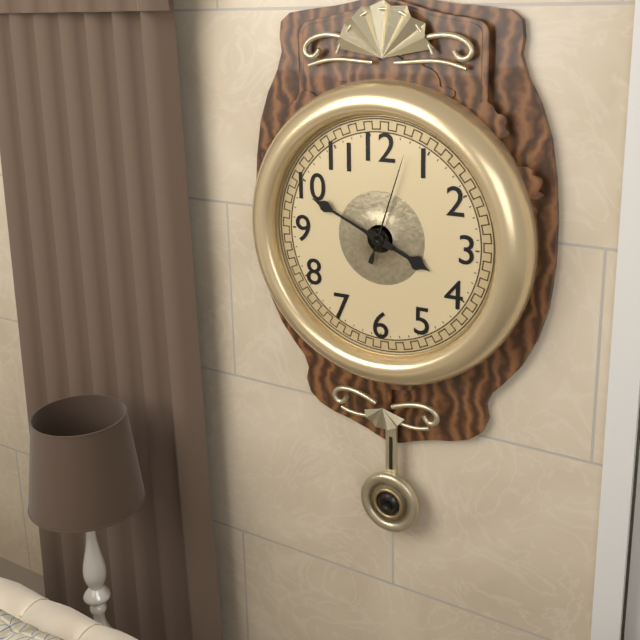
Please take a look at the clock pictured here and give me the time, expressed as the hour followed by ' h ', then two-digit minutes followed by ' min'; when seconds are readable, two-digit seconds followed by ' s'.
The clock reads 3 h 49 min 03 s
